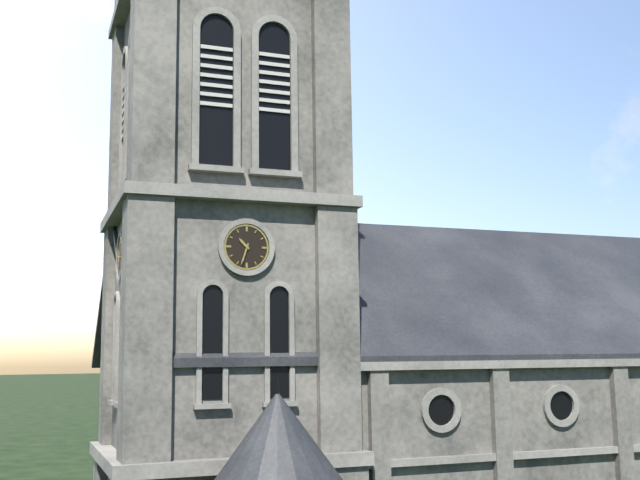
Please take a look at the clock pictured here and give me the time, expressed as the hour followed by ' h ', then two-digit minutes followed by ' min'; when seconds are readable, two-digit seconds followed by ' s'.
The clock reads 10 h 33 min
